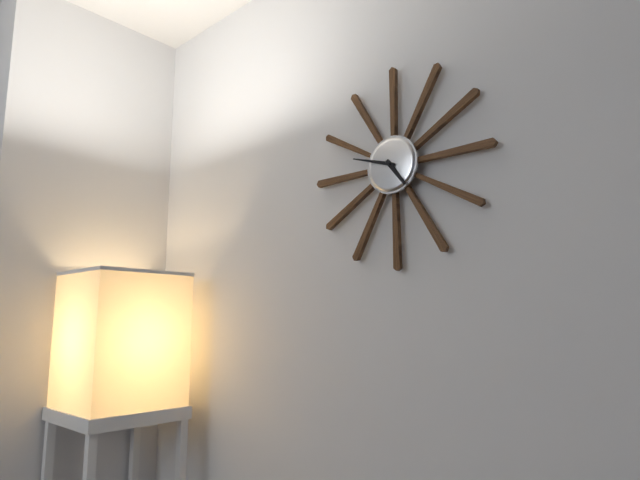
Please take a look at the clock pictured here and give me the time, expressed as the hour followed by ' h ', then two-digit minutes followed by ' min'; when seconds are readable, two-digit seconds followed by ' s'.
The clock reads 4 h 48 min
